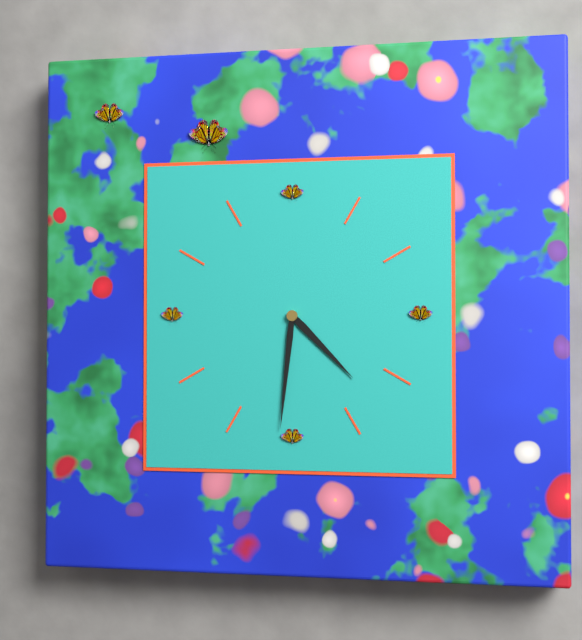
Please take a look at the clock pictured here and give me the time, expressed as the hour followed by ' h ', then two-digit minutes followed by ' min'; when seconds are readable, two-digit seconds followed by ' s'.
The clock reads 4 h 31 min
